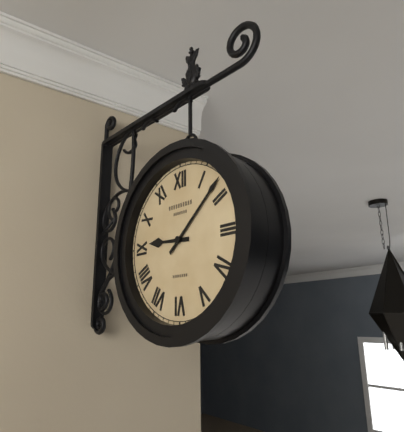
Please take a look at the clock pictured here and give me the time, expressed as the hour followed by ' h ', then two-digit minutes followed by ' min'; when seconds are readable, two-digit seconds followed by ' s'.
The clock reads 9 h 08 min
